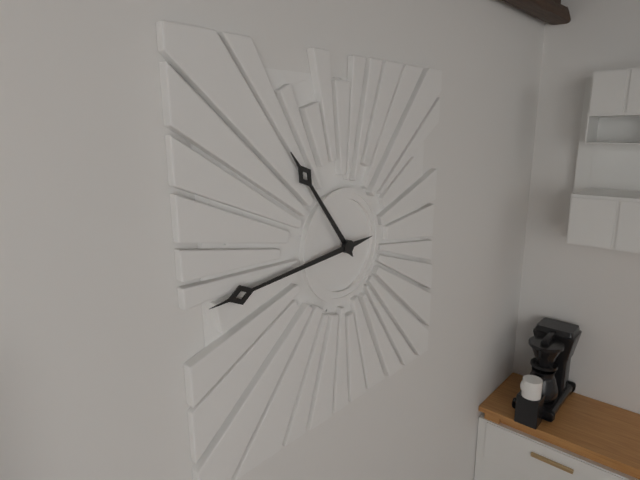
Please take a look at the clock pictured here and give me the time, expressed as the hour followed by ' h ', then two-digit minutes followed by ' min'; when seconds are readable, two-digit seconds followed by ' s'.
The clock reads 10 h 44 min
